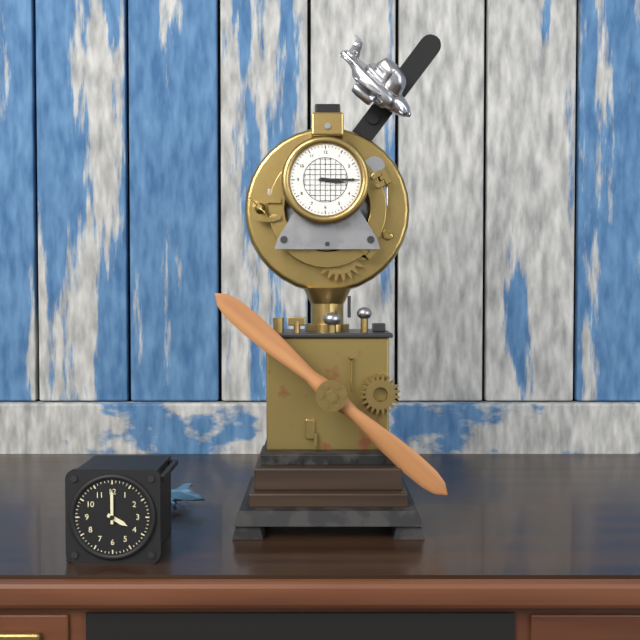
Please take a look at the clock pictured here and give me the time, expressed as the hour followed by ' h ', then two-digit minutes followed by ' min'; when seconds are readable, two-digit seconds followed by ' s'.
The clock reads 3 h 15 min
